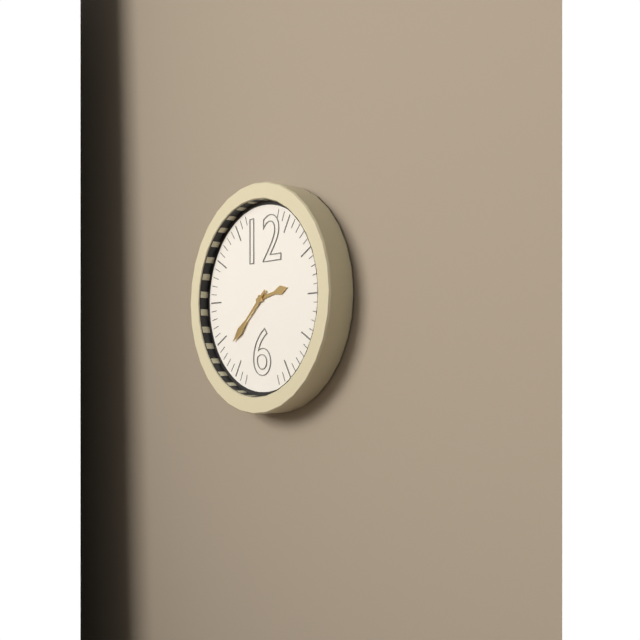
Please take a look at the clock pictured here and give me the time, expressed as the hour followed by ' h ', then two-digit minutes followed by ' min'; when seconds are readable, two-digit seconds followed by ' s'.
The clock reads 2 h 38 min
